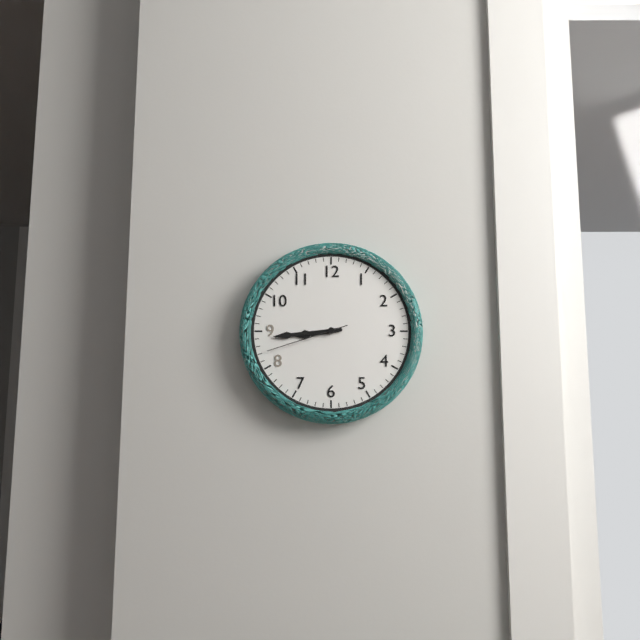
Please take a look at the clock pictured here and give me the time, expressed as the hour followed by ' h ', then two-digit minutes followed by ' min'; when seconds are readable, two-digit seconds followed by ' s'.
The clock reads 8 h 44 min 42 s
